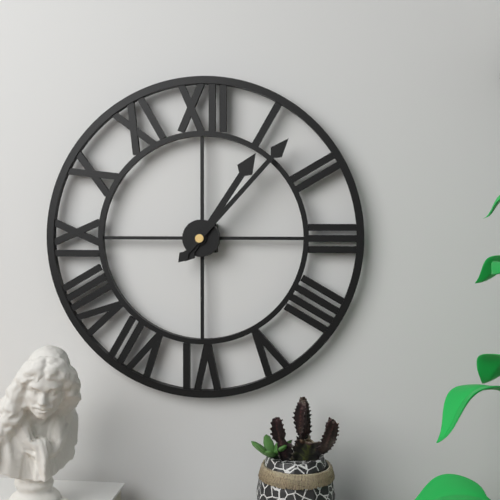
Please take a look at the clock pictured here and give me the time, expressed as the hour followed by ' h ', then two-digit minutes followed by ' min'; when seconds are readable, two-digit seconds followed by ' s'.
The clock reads 1 h 07 min
